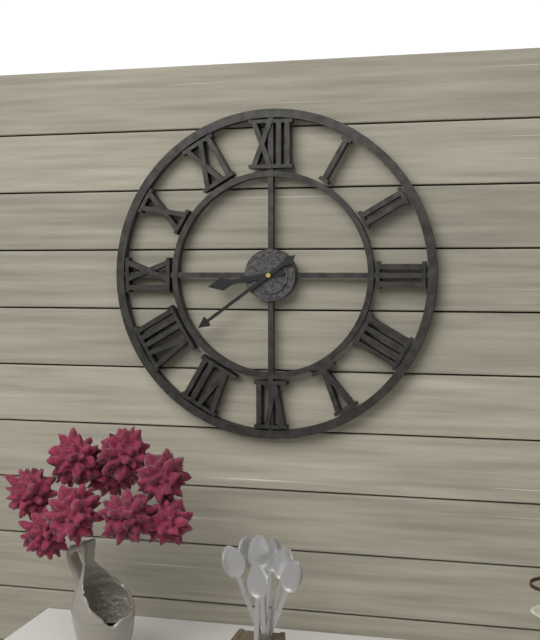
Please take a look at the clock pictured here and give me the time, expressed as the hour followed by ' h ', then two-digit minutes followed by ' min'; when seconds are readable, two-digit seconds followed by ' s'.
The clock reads 8 h 39 min
